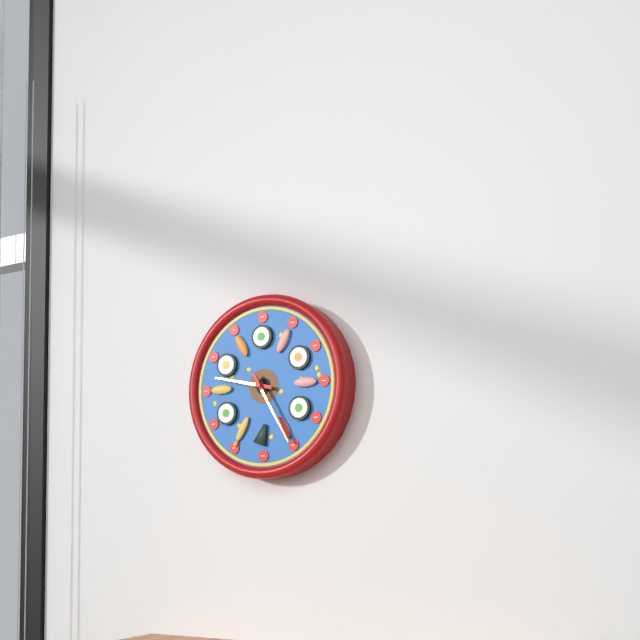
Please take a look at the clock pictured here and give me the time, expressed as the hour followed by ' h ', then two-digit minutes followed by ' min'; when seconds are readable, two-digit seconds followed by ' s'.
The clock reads 9 h 25 min
